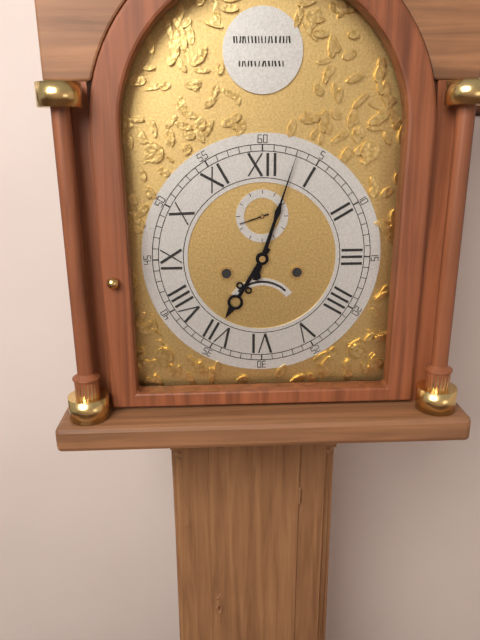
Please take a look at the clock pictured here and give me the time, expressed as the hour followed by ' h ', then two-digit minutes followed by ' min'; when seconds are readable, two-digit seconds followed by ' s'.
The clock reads 7 h 03 min
